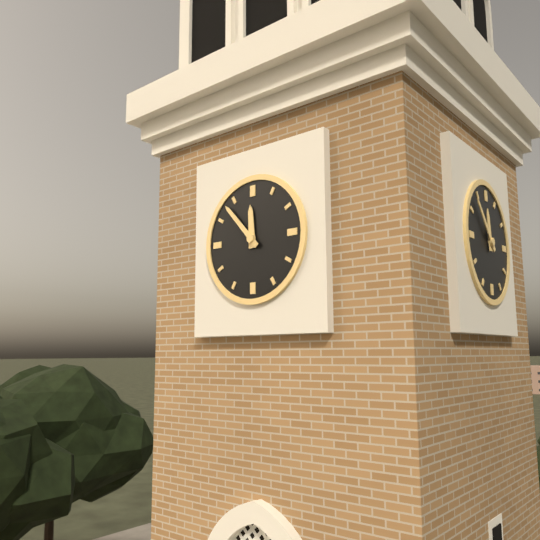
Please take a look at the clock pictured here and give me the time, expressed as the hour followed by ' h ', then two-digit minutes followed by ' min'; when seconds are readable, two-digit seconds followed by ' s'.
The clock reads 11 h 53 min
